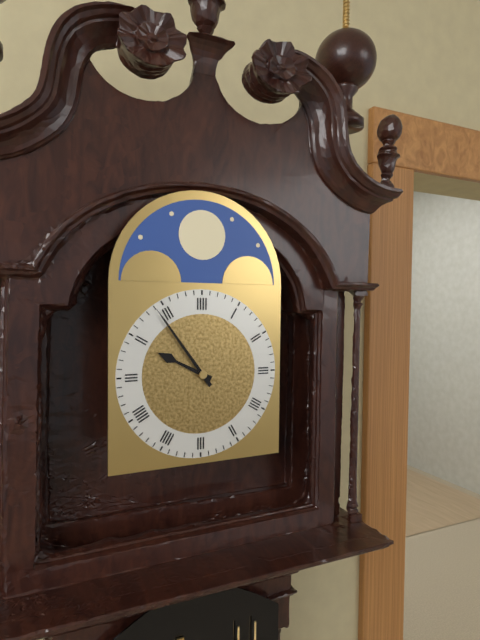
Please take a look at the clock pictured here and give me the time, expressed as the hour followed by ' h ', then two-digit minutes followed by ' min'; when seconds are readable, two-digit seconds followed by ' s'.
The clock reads 9 h 54 min
